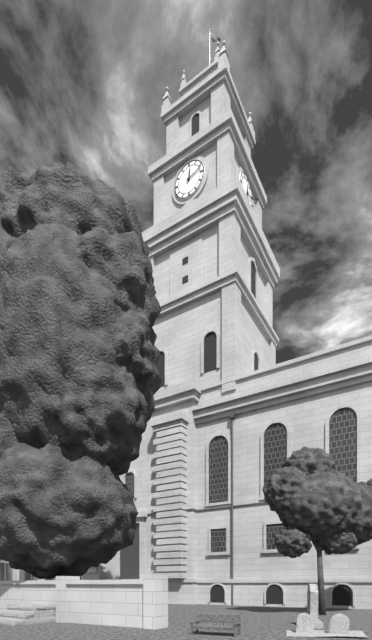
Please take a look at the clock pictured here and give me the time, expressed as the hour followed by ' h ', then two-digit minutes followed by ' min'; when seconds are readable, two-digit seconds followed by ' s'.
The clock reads 12 h 12 min
